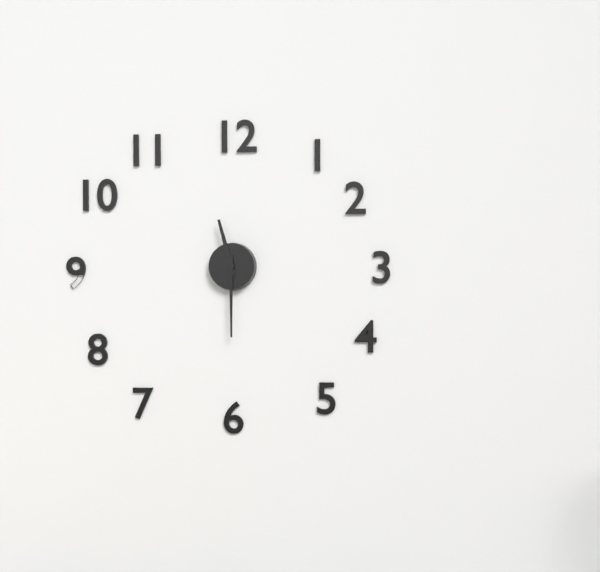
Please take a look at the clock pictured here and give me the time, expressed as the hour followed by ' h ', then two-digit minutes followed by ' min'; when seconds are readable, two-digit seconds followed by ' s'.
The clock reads 11 h 30 min
